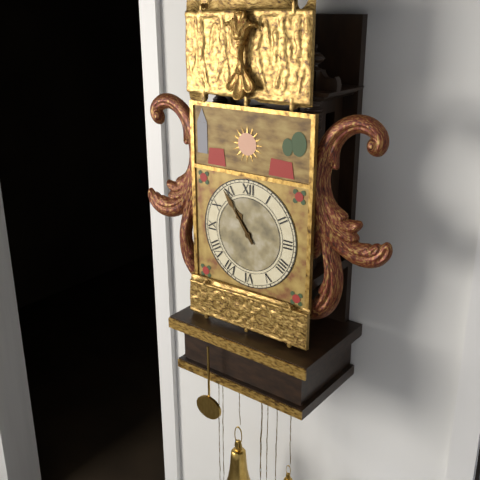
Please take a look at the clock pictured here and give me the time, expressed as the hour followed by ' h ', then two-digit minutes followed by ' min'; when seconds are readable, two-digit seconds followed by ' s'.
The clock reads 10 h 54 min
